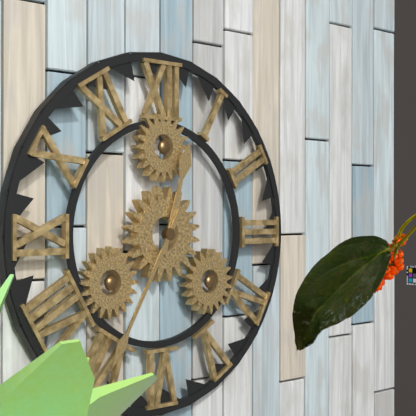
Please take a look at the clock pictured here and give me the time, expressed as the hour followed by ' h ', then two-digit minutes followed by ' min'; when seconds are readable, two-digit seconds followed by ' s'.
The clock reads 12 h 35 min
